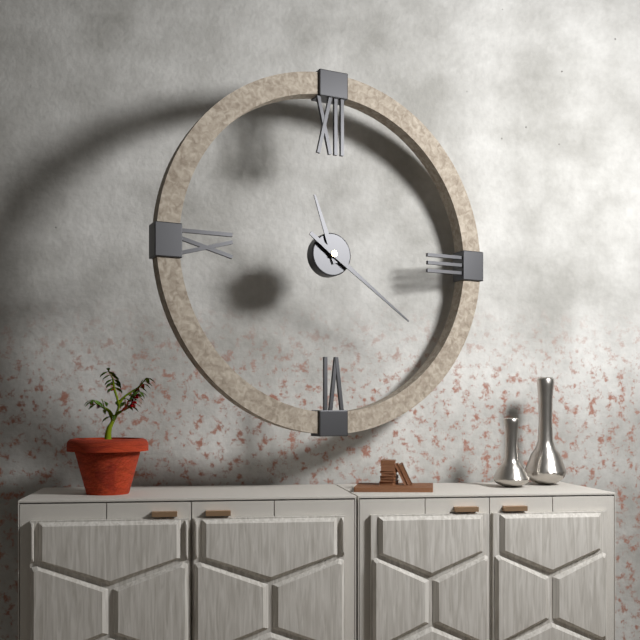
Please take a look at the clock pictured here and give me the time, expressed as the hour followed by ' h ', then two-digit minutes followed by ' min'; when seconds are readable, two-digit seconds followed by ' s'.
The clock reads 11 h 21 min
